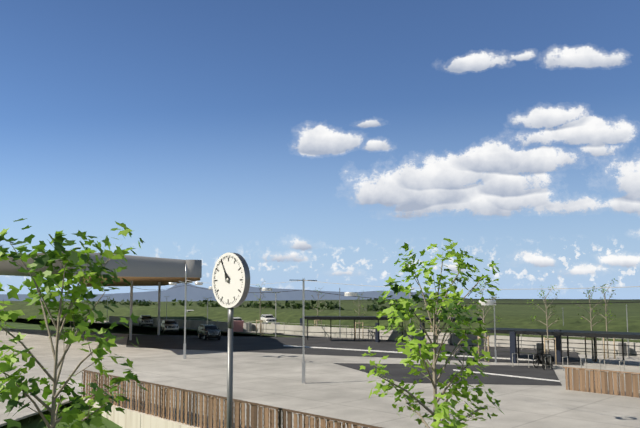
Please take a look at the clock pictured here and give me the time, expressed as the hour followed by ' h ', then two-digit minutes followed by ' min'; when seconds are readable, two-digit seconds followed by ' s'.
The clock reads 10 h 55 min
